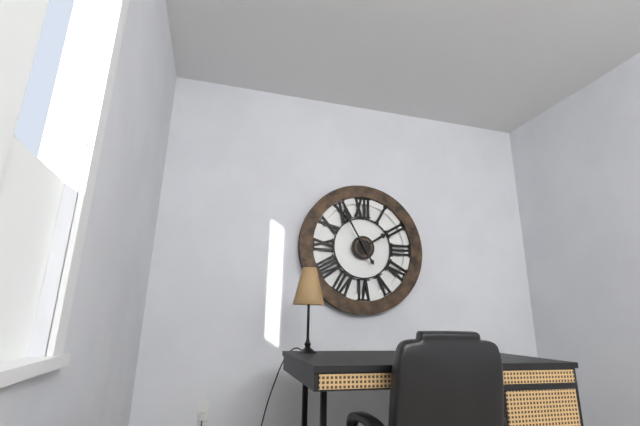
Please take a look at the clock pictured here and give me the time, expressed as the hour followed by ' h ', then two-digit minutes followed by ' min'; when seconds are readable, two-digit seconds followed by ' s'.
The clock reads 1 h 55 min
